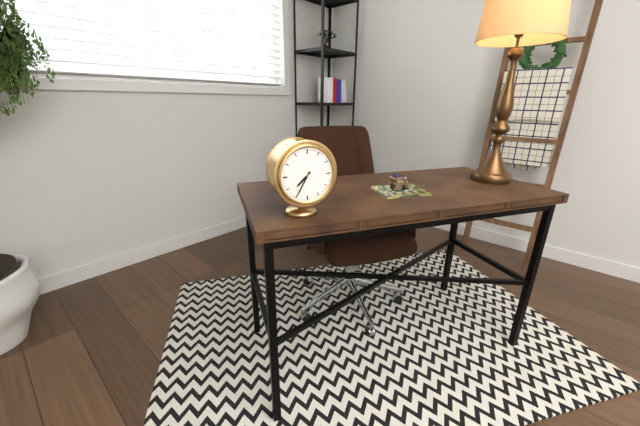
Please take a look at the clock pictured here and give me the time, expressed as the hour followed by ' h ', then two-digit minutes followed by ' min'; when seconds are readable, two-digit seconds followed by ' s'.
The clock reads 7 h 35 min
